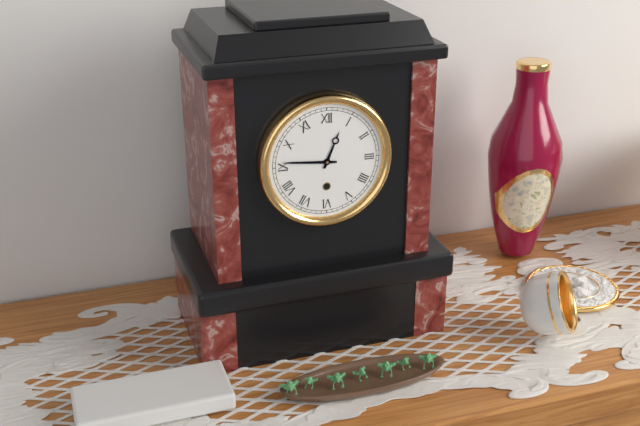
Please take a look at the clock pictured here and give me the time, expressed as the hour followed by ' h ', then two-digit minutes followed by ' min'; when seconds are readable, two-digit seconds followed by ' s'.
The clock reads 12 h 46 min
